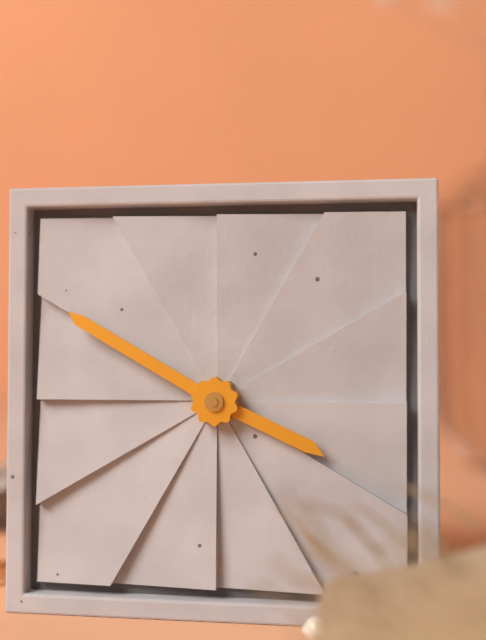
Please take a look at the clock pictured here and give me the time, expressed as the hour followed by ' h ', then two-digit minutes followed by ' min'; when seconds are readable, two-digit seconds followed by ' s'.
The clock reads 3 h 50 min
